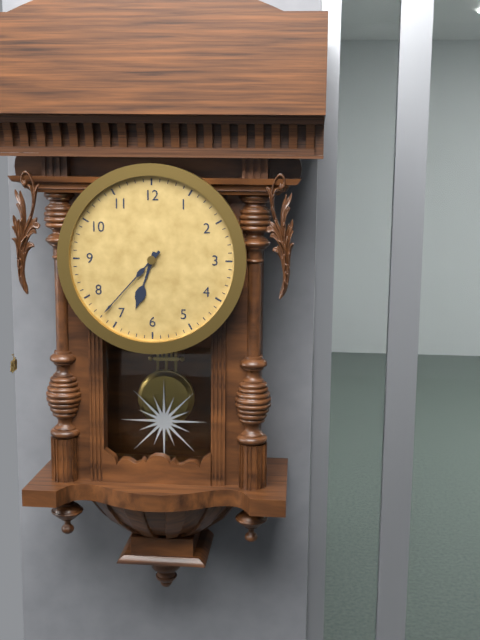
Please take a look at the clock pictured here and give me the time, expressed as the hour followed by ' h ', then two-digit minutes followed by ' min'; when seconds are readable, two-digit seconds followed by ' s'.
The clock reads 6 h 37 min
